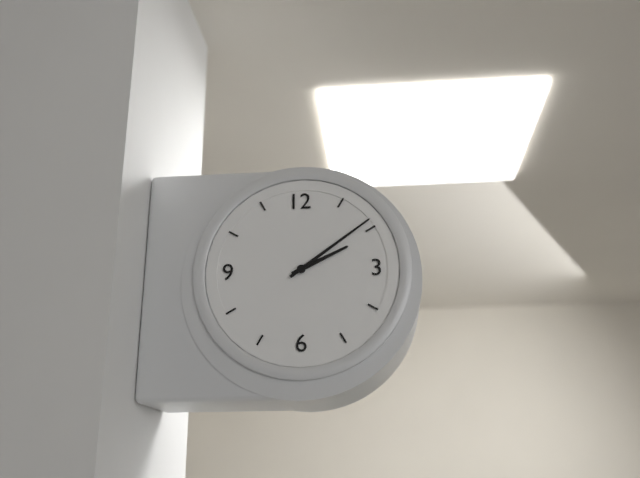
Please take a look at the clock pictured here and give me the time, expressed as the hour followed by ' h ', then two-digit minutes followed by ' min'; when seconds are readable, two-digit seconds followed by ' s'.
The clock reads 2 h 09 min
